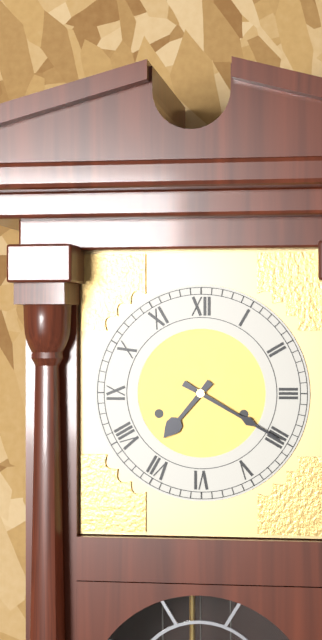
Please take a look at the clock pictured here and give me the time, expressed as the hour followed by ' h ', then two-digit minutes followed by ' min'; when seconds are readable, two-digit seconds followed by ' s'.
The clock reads 7 h 20 min
